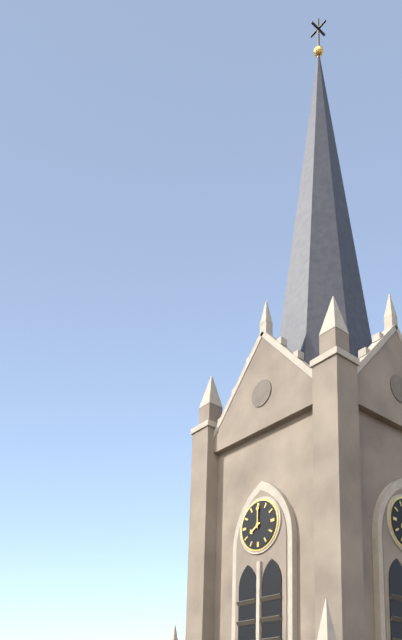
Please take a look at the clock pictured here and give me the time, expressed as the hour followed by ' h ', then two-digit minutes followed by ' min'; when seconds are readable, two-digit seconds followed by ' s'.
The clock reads 8 h 00 min
